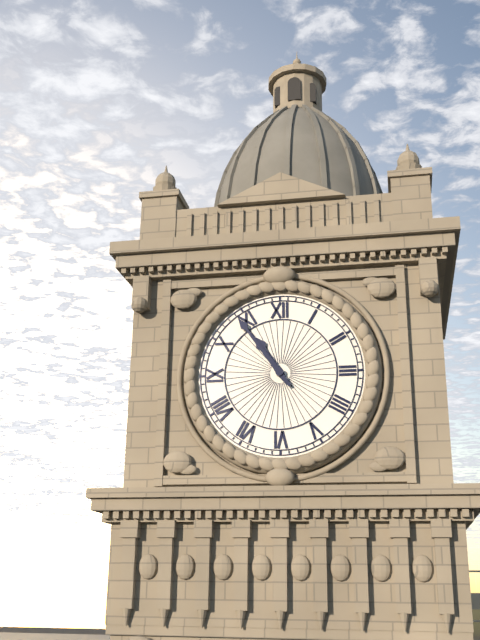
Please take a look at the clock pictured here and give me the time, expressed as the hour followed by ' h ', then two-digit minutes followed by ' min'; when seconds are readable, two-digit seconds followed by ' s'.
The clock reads 10 h 54 min
